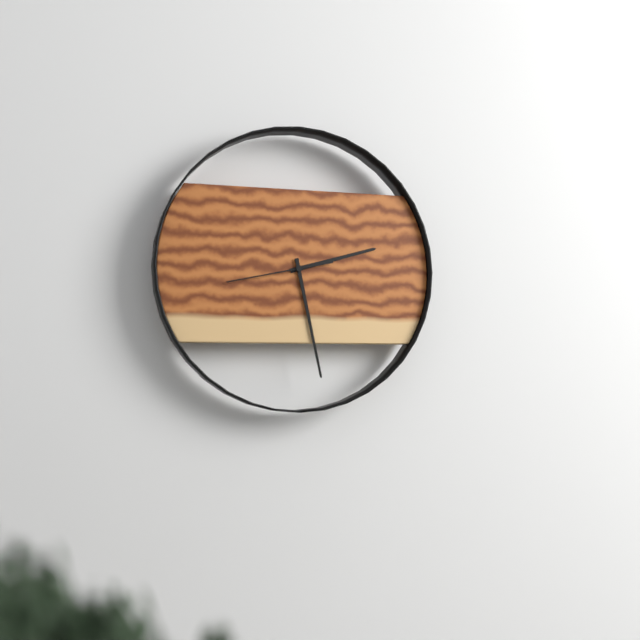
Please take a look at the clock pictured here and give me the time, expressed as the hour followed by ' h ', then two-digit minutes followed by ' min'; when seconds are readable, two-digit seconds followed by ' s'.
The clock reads 2 h 28 min 43 s
